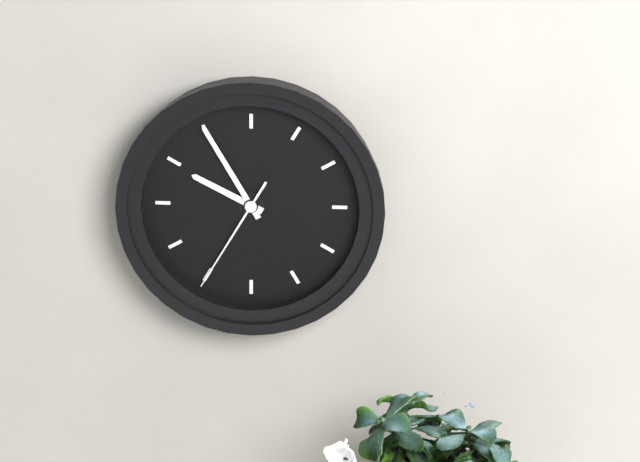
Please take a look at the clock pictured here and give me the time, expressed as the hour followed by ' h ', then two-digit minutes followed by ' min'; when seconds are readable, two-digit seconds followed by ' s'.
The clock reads 9 h 55 min 35 s
